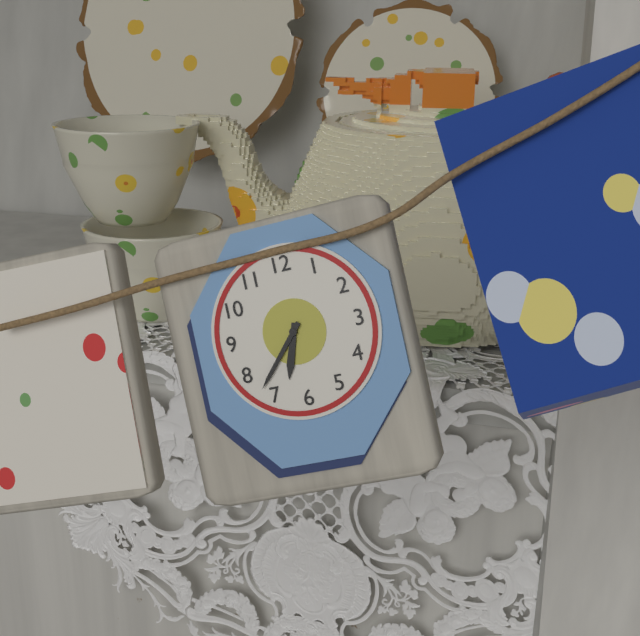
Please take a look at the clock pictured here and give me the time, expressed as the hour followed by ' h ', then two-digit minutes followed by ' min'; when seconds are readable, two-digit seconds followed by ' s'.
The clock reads 6 h 37 min
